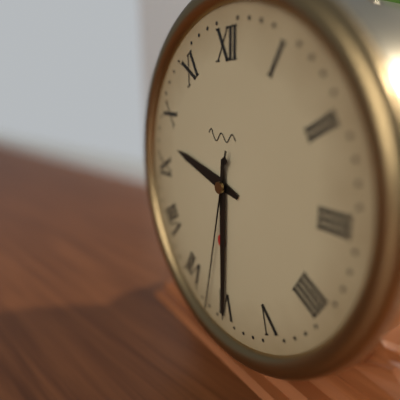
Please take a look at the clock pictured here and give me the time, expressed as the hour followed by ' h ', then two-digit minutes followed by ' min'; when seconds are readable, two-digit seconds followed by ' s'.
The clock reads 9 h 30 min 32 s
